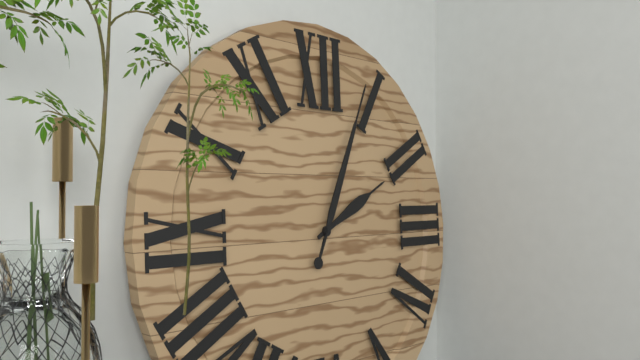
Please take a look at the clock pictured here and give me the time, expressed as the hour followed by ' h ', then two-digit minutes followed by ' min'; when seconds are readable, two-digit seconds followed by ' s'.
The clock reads 2 h 04 min
